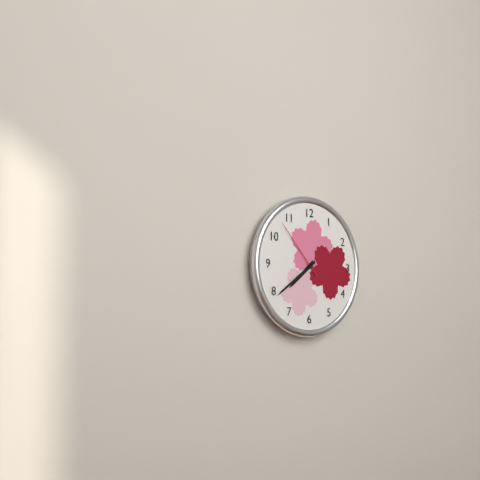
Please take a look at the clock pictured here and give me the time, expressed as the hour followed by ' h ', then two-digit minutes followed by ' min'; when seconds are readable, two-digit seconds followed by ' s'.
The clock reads 7 h 39 min 53 s
